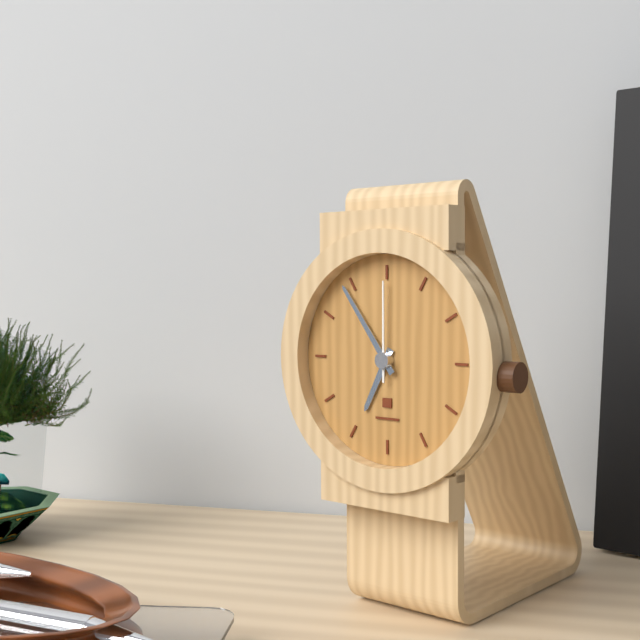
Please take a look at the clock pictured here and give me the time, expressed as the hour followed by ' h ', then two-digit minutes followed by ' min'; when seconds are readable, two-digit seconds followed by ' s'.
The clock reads 6 h 54 min 00 s
